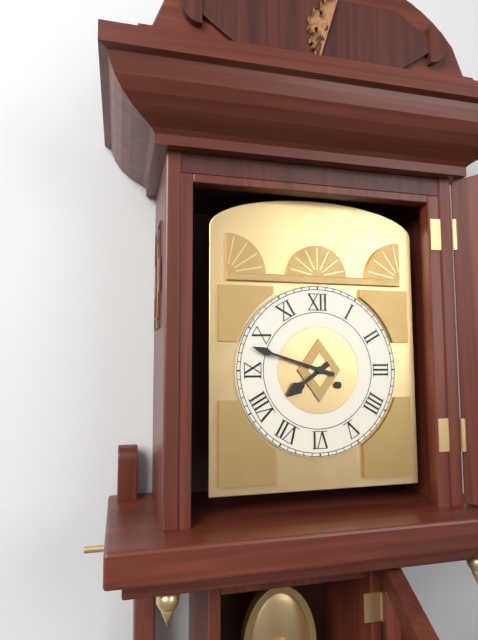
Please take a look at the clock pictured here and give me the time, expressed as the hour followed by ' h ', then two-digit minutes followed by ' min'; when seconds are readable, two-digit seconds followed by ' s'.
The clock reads 7 h 48 min
